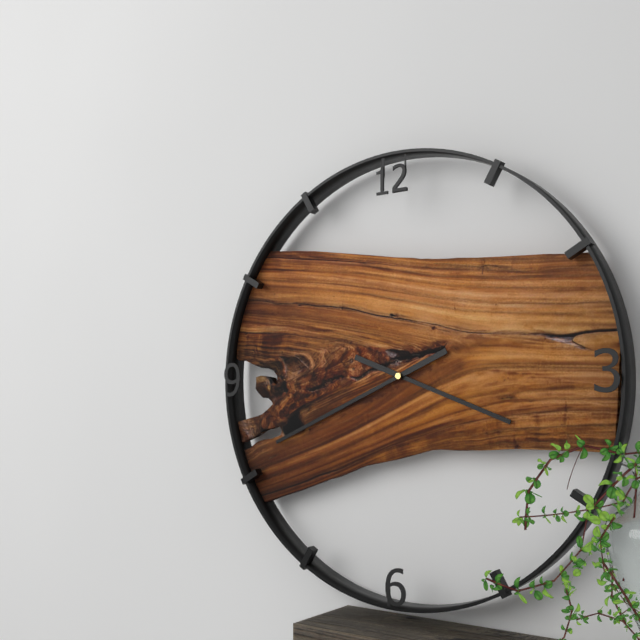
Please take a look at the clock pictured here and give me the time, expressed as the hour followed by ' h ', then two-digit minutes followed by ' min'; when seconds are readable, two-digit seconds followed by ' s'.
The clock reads 3 h 41 min
